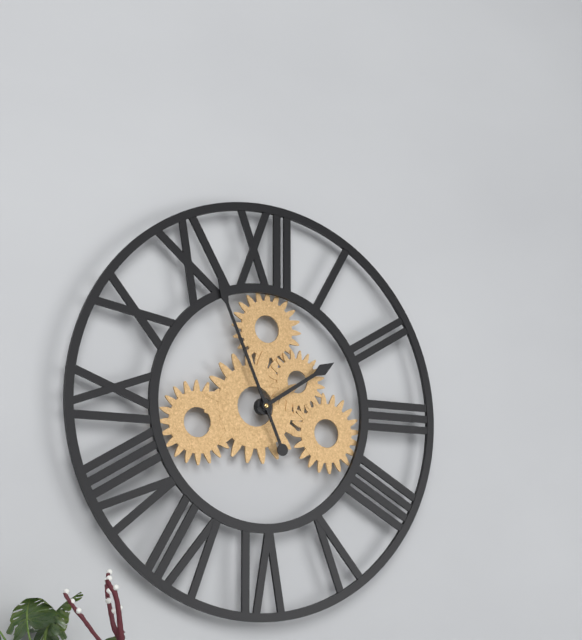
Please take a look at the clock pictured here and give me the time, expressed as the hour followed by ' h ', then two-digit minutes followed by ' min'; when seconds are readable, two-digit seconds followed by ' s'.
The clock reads 1 h 56 min
